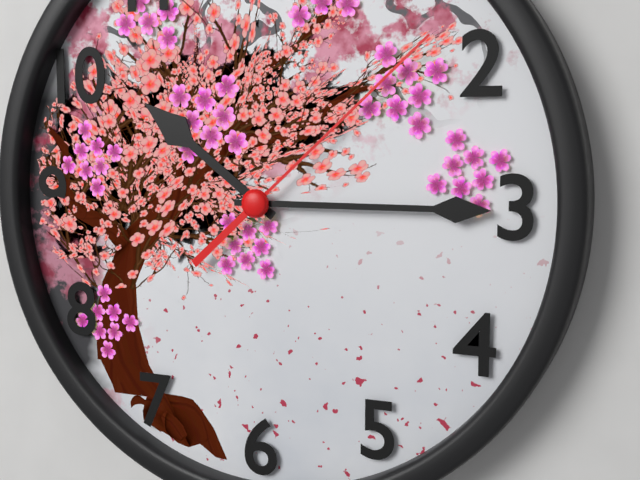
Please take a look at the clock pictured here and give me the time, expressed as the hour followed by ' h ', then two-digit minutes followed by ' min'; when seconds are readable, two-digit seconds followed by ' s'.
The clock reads 10 h 15 min 08 s
